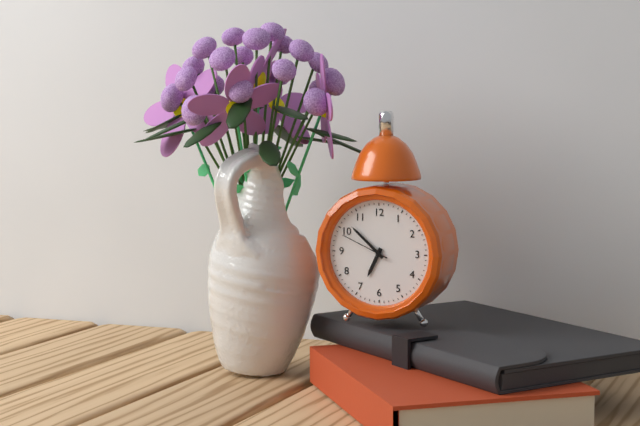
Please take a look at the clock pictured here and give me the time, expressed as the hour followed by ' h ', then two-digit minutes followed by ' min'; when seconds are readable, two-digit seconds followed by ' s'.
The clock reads 6 h 52 min 49 s
